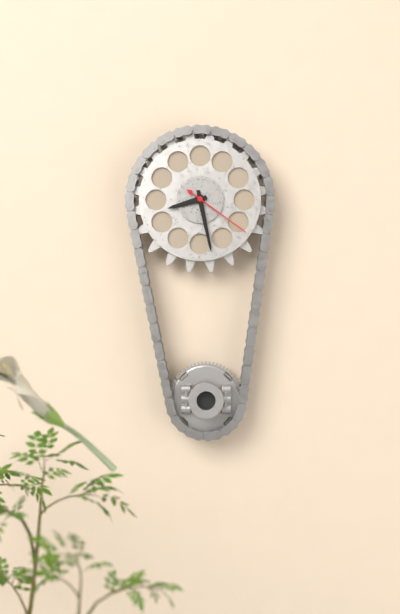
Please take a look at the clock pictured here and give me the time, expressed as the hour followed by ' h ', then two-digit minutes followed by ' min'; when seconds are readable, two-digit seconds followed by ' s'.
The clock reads 8 h 28 min 21 s
